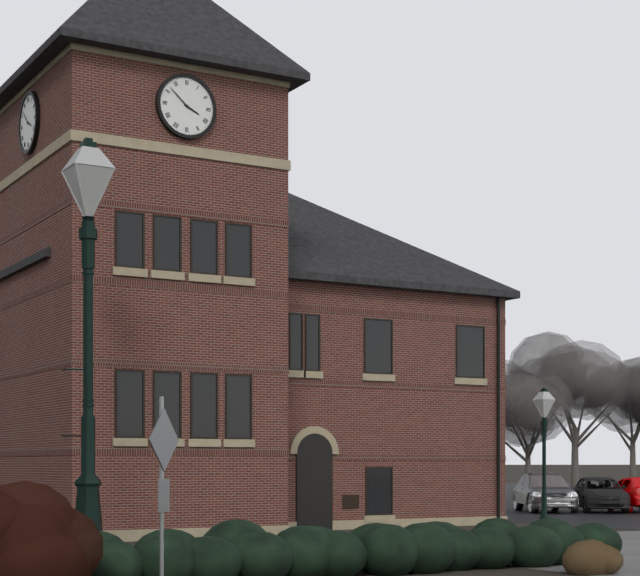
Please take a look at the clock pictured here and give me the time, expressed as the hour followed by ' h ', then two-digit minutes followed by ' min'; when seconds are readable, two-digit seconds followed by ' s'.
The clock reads 3 h 52 min
